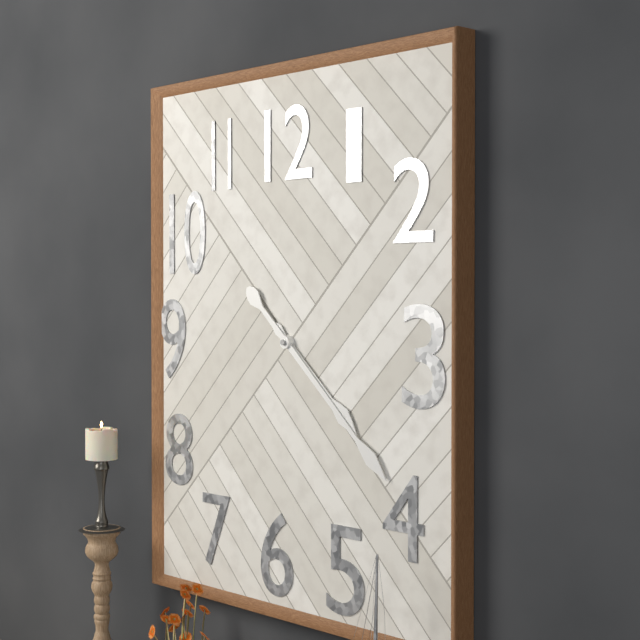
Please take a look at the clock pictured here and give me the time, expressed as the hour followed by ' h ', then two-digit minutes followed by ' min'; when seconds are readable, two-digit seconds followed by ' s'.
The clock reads 4 h 22 min
